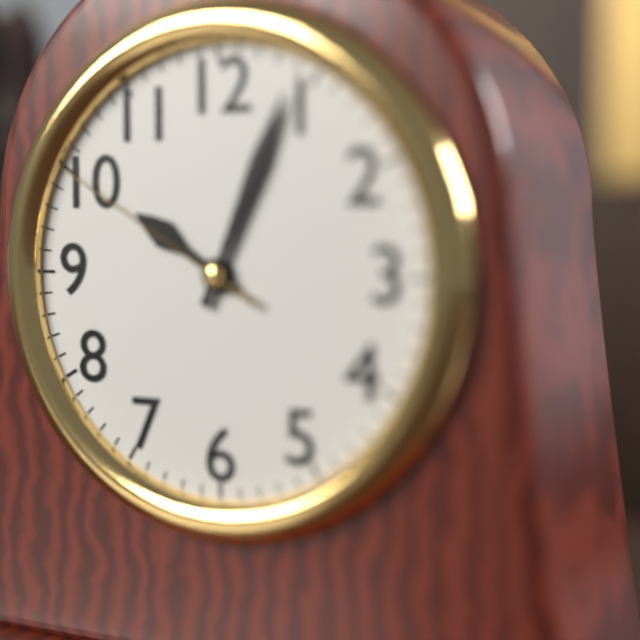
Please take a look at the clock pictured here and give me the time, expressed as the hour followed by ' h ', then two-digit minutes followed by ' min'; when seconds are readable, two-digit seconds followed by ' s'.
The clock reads 10 h 04 min 50 s
